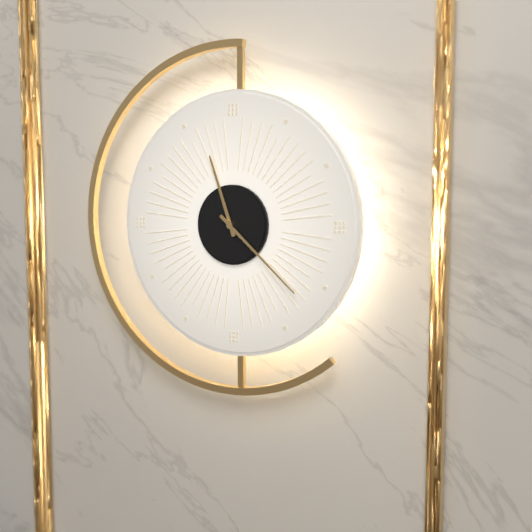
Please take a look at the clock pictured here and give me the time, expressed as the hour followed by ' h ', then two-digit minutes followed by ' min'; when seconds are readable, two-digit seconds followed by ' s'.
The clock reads 11 h 22 min
